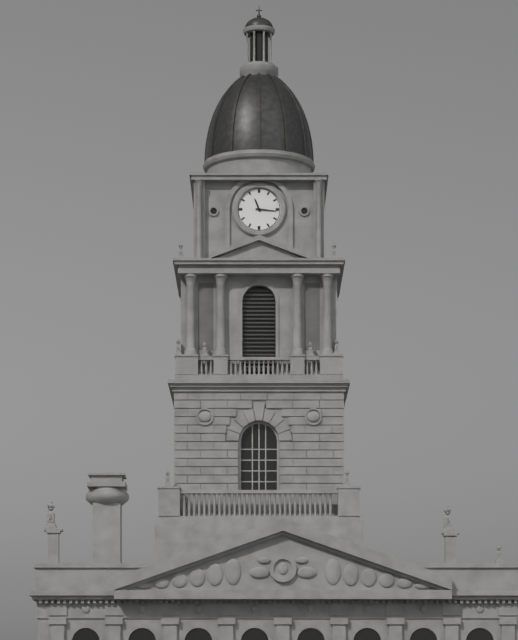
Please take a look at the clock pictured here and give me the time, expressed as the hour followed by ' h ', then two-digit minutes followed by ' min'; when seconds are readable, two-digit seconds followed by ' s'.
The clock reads 11 h 16 min
